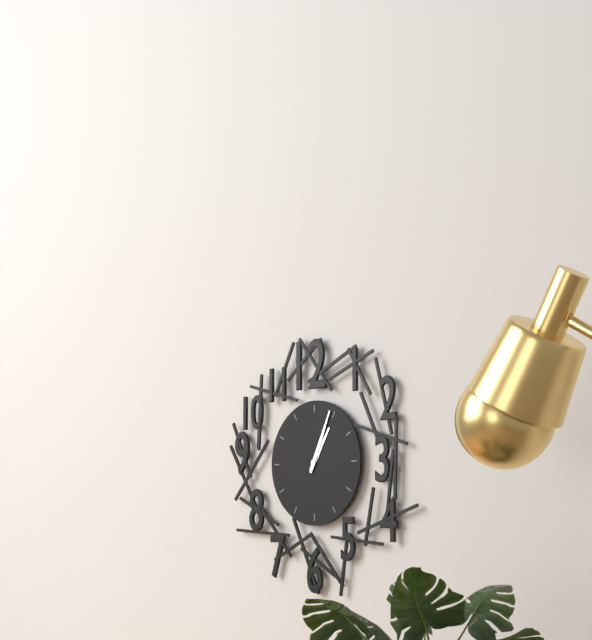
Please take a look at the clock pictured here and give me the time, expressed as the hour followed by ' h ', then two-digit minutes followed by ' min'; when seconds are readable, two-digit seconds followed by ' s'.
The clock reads 1 h 04 min
